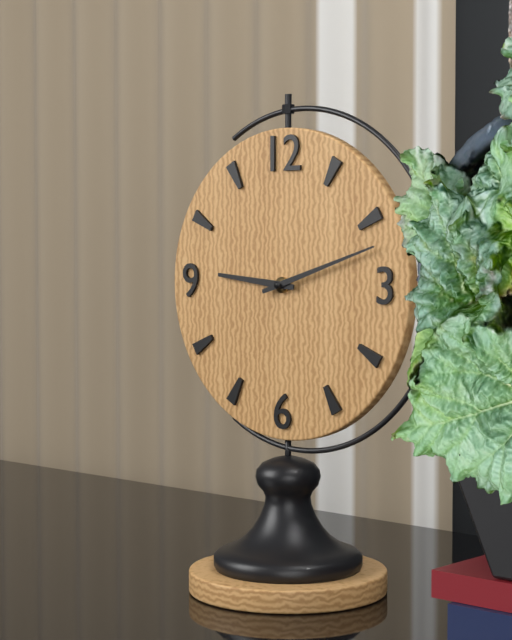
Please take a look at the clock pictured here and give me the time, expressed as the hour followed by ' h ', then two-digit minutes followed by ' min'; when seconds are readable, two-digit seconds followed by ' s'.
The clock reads 9 h 12 min
